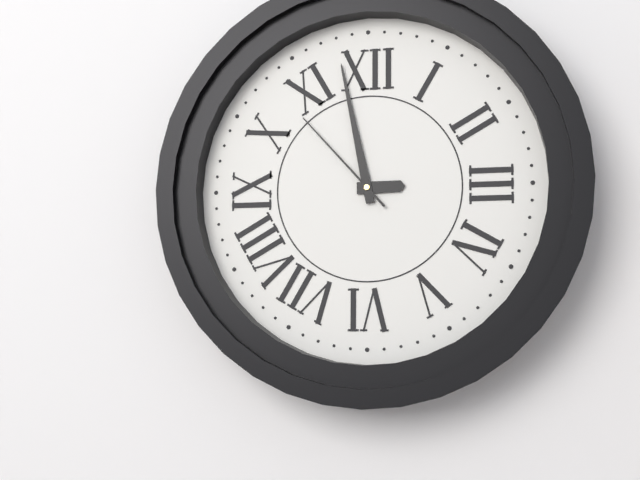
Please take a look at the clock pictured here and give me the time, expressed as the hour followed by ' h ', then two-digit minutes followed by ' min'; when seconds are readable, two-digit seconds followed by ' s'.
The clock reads 2 h 58 min 53 s
